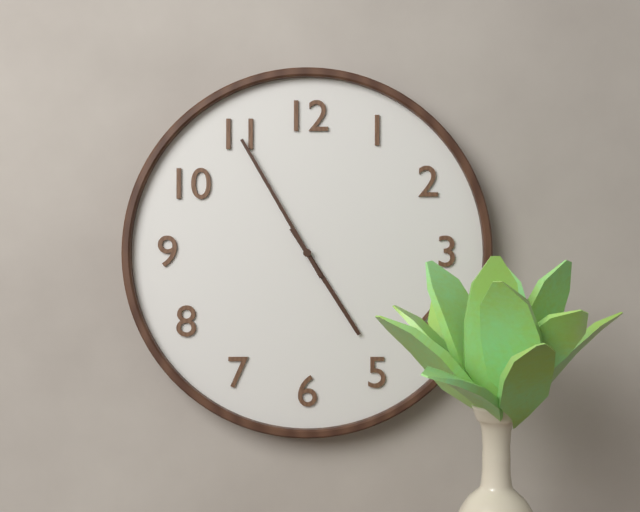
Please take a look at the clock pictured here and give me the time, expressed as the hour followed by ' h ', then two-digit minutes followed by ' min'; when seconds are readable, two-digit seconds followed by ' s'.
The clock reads 4 h 55 min
